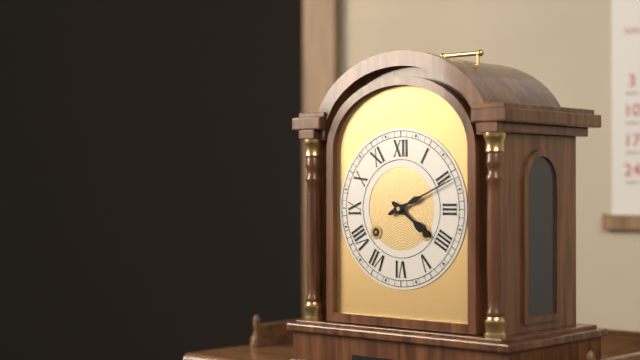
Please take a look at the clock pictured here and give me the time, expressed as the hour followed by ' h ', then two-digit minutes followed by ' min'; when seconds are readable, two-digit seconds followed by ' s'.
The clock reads 4 h 11 min
